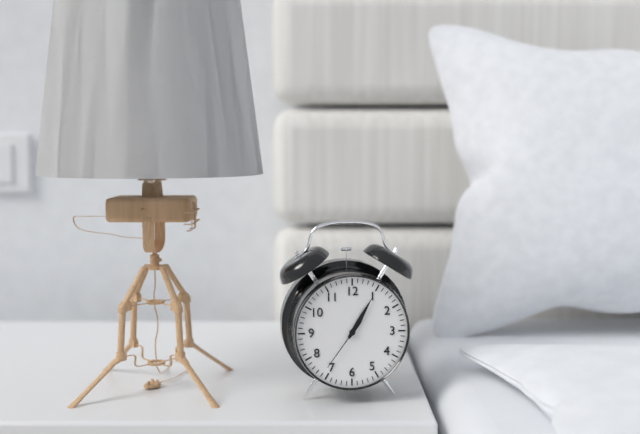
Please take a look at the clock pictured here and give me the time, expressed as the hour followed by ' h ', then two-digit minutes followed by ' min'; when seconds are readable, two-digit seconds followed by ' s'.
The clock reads 1 h 05 min 36 s
